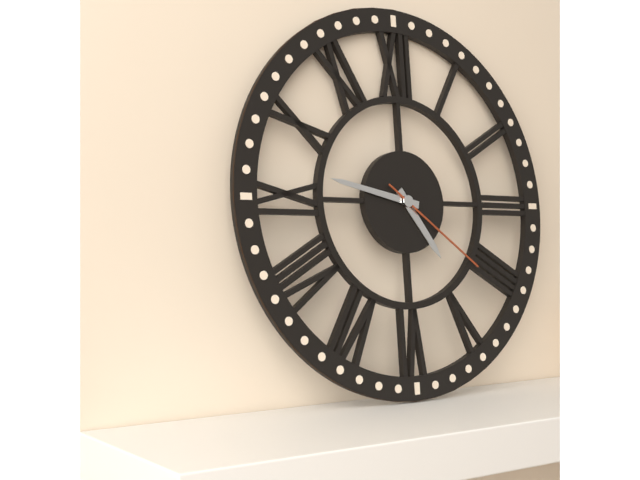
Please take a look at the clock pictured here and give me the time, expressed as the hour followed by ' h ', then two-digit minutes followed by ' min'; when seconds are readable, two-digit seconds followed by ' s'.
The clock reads 4 h 47 min 21 s
